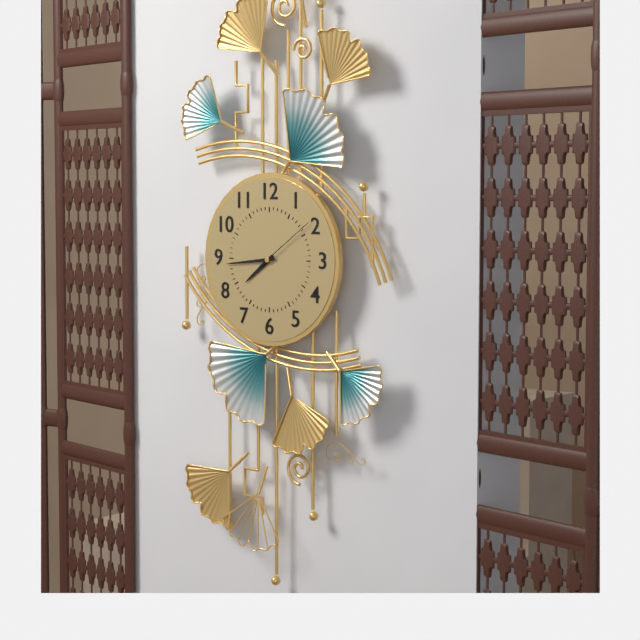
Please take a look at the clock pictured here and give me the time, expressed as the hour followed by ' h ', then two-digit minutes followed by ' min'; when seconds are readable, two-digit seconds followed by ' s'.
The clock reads 7 h 44 min 09 s
